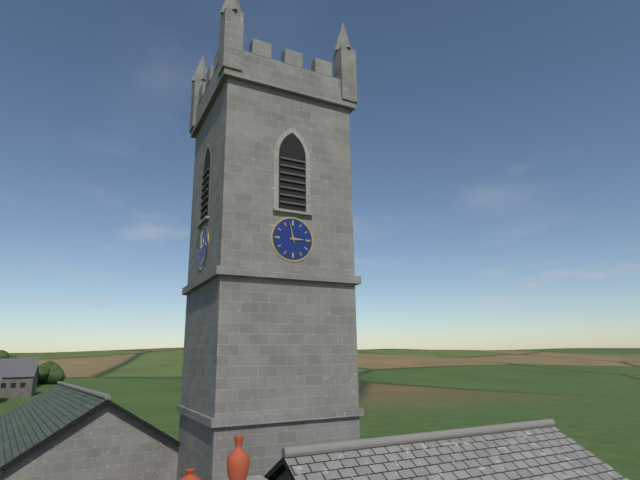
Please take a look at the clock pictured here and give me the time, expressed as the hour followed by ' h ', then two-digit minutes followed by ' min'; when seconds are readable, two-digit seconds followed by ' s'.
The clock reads 2 h 58 min
